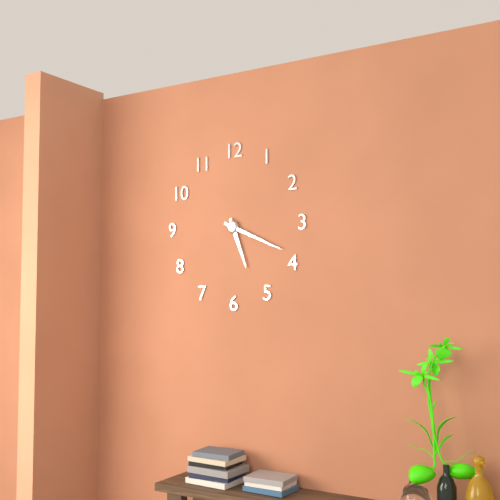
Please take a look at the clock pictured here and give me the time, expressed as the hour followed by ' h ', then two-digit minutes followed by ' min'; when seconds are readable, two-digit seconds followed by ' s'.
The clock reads 5 h 19 min
